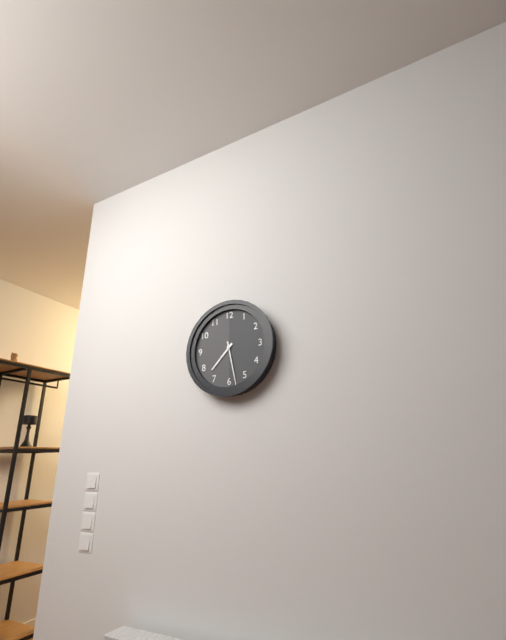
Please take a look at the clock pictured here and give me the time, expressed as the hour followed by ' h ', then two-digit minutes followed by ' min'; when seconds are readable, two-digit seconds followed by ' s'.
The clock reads 7 h 28 min
